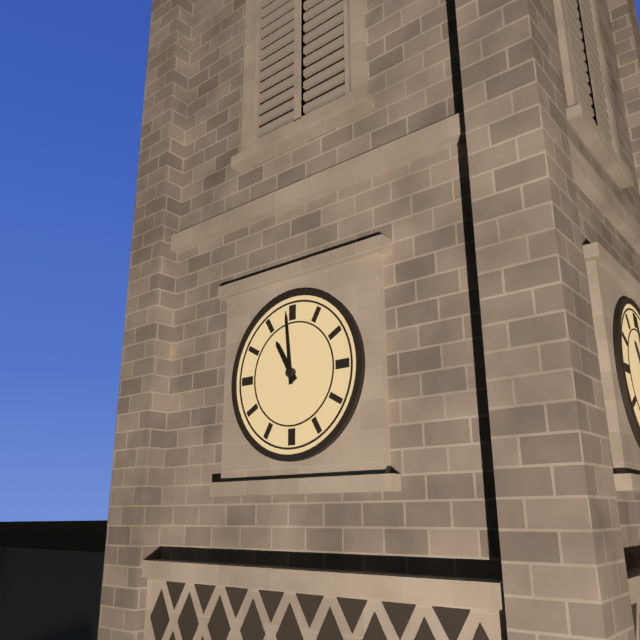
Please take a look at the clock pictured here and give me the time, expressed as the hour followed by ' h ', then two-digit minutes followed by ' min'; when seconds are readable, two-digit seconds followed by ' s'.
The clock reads 10 h 59 min
